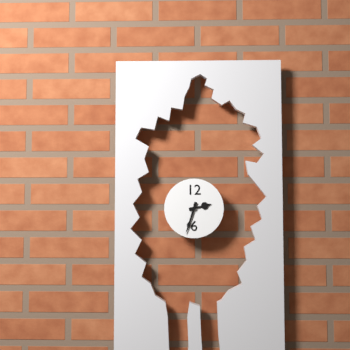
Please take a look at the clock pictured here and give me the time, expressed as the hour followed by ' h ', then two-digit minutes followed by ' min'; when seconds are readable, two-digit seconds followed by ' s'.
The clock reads 2 h 33 min
